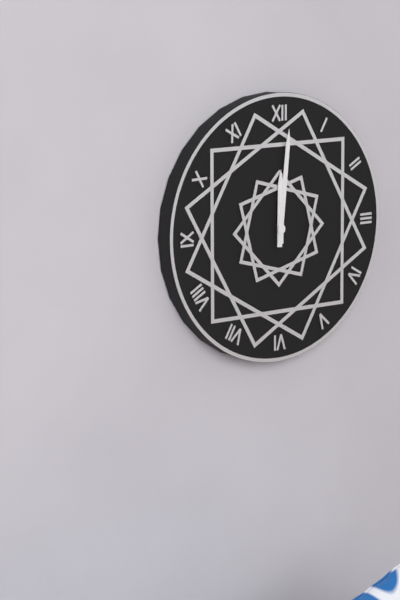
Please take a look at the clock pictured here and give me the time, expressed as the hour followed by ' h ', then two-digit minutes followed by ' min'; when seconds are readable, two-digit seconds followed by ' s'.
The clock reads 12 h 01 min
